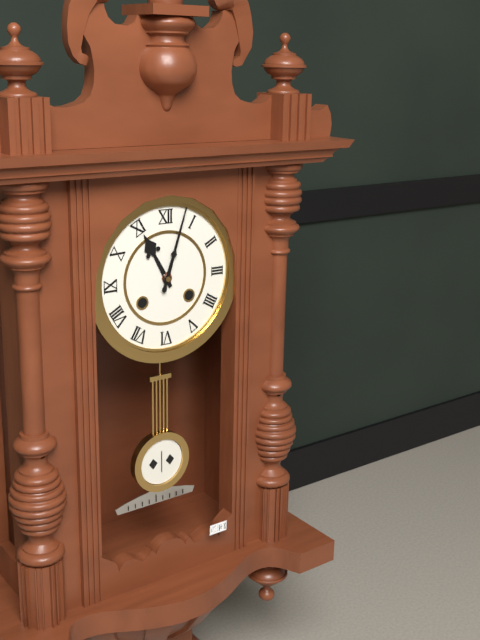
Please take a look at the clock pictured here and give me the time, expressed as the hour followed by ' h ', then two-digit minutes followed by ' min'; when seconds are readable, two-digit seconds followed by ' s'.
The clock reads 11 h 03 min
